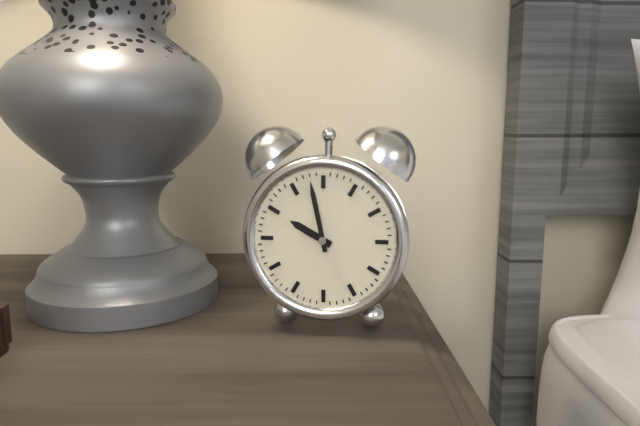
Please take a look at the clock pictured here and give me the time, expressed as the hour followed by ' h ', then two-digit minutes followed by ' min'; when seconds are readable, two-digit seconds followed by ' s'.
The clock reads 9 h 58 min
